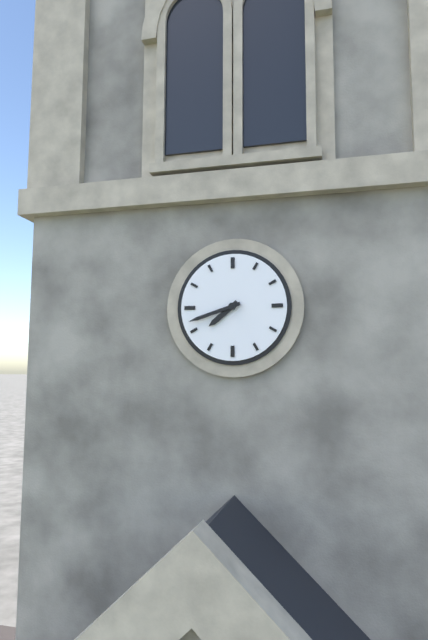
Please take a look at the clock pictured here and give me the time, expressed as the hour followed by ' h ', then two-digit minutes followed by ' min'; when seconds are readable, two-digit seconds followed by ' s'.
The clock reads 7 h 42 min
